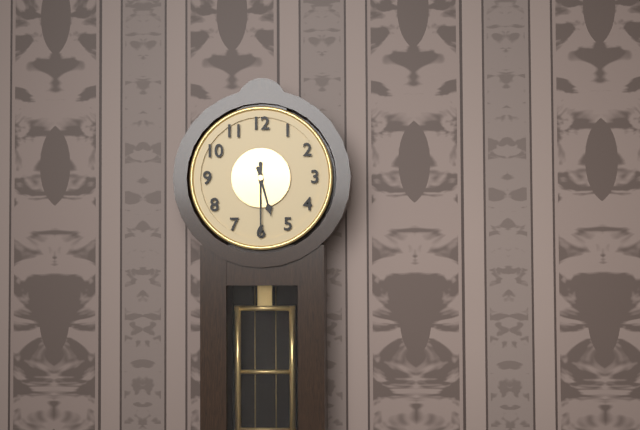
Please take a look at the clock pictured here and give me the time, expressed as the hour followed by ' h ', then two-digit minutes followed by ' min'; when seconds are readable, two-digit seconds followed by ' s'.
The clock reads 5 h 30 min
